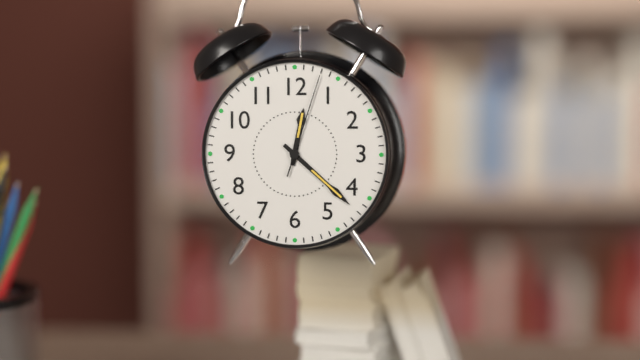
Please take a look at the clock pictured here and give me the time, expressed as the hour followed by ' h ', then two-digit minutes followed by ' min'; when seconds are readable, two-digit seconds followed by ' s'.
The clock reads 12 h 22 min 03 s
